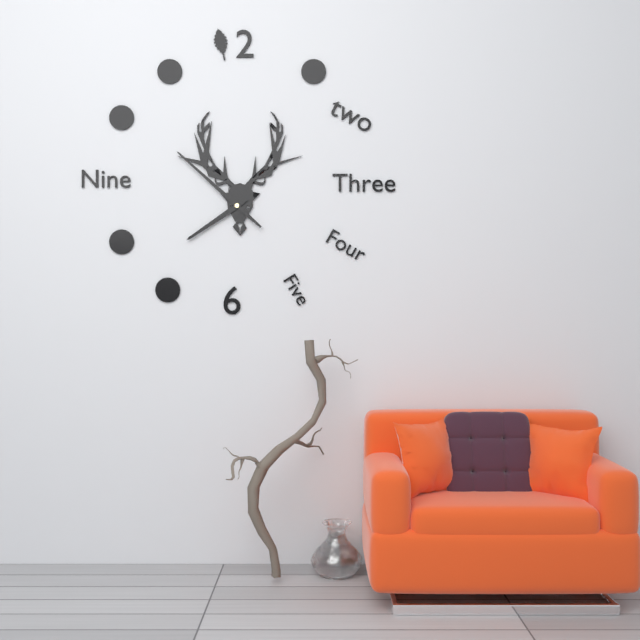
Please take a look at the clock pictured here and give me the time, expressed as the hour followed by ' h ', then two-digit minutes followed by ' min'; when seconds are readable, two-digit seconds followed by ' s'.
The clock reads 7 h 52 min
